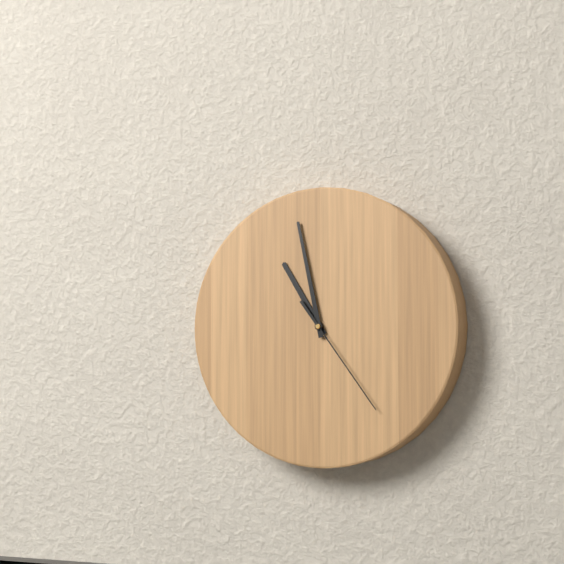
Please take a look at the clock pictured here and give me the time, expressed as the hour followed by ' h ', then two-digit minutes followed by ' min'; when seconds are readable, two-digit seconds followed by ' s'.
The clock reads 10 h 58 min 24 s
